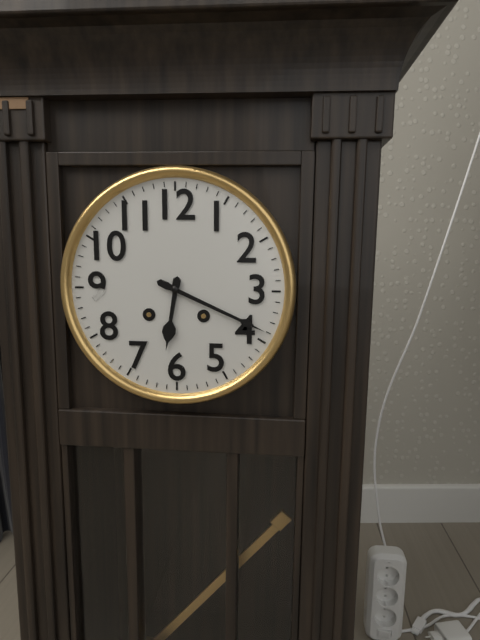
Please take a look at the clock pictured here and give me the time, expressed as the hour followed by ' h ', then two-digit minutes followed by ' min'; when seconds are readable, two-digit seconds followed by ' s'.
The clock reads 6 h 19 min
